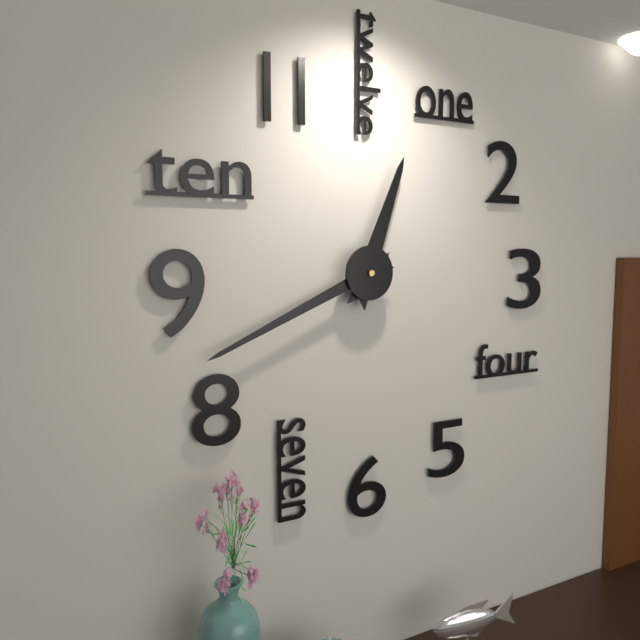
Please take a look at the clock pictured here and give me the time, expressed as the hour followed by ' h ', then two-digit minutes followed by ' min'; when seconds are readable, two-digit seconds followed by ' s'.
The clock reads 12 h 41 min
